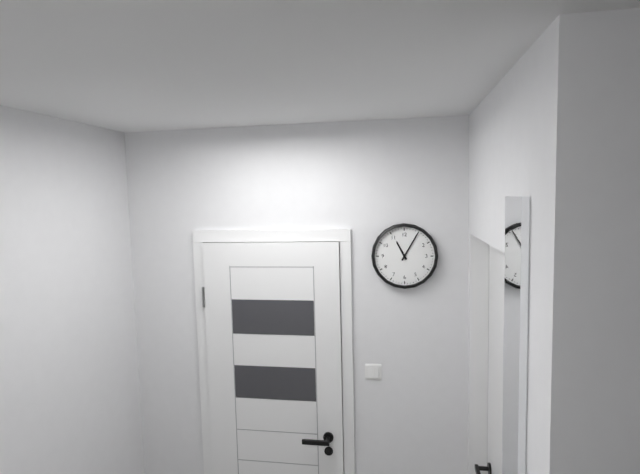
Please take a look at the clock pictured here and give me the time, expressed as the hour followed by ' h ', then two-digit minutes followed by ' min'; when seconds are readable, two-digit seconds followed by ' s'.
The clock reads 11 h 05 min
